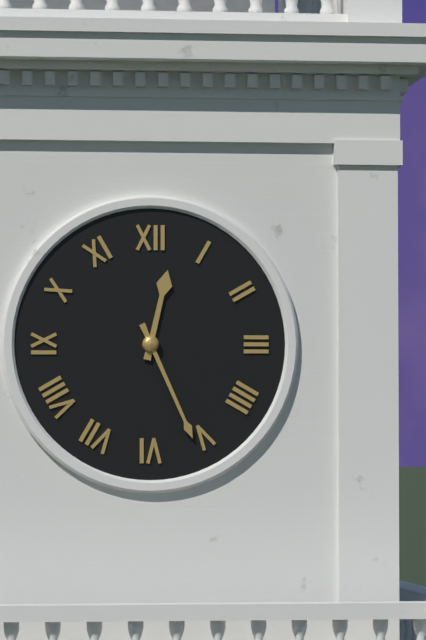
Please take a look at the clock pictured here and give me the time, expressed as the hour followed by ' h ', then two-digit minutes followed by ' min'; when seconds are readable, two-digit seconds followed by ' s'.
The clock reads 12 h 26 min
